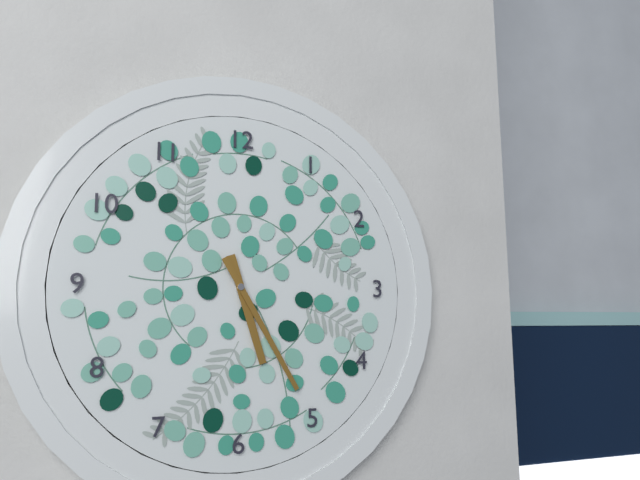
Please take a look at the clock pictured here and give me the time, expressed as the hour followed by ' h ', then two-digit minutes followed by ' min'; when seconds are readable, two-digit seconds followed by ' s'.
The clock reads 5 h 25 min
